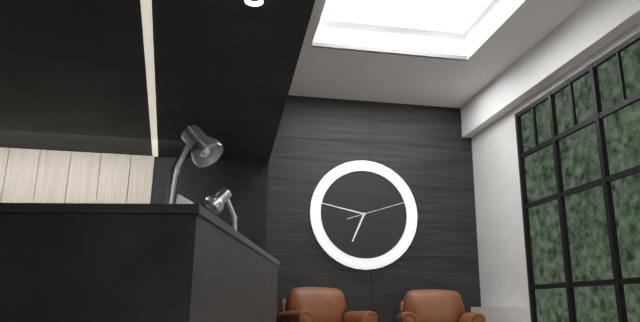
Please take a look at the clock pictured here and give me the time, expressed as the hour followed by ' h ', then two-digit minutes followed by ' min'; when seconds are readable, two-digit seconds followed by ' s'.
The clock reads 6 h 47 min 12 s
